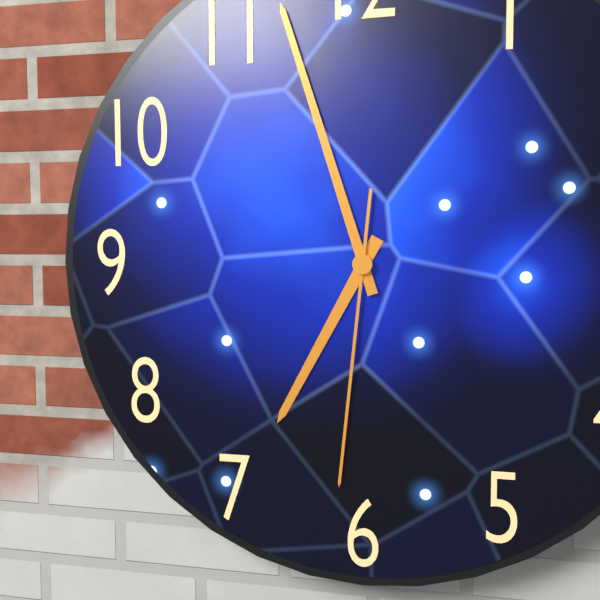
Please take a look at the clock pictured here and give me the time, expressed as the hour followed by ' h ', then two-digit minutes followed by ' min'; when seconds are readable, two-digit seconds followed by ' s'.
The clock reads 6 h 57 min 31 s
